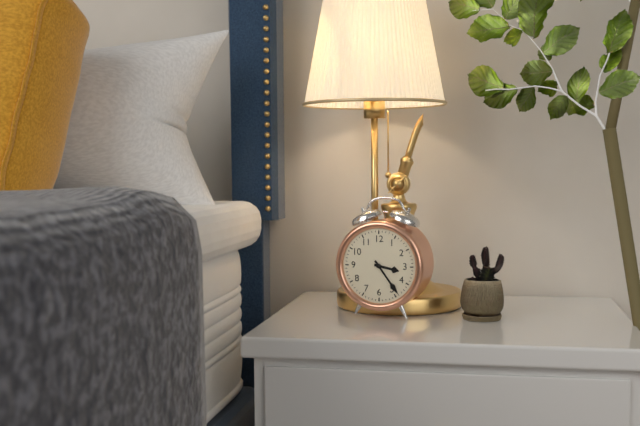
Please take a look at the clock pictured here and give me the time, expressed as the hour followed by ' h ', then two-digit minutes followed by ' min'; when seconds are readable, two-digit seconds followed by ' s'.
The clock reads 3 h 24 min
